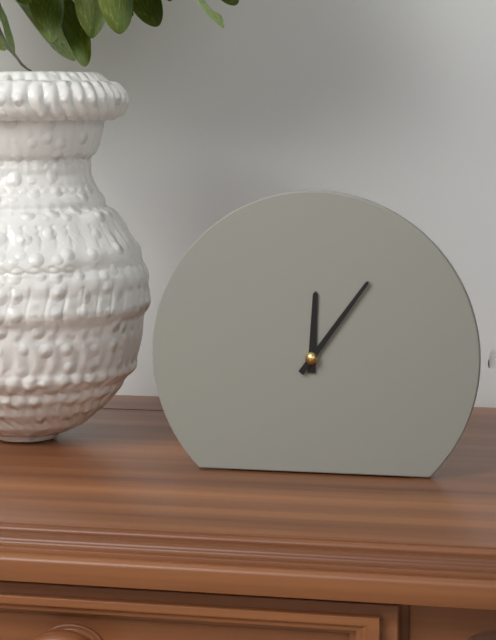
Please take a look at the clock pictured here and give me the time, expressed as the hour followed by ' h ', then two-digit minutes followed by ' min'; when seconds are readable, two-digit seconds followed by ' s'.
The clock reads 12 h 06 min
